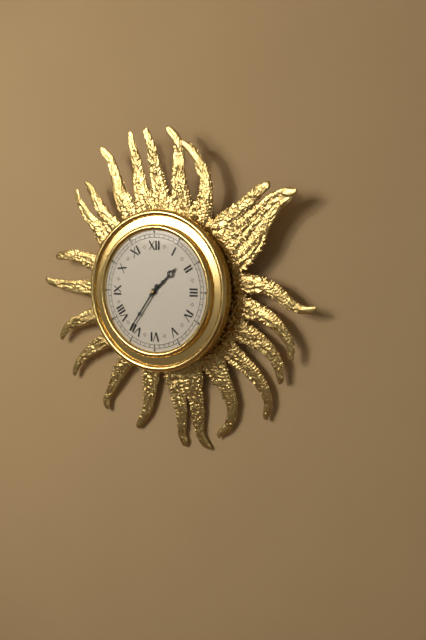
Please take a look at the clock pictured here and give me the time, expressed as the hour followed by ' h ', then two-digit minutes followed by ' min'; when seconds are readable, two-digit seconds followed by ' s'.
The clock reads 1 h 36 min
